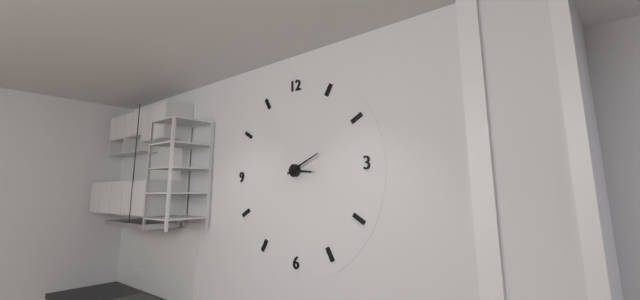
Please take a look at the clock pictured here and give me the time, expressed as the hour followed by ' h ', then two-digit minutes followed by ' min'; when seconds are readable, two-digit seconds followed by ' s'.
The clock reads 3 h 11 min
